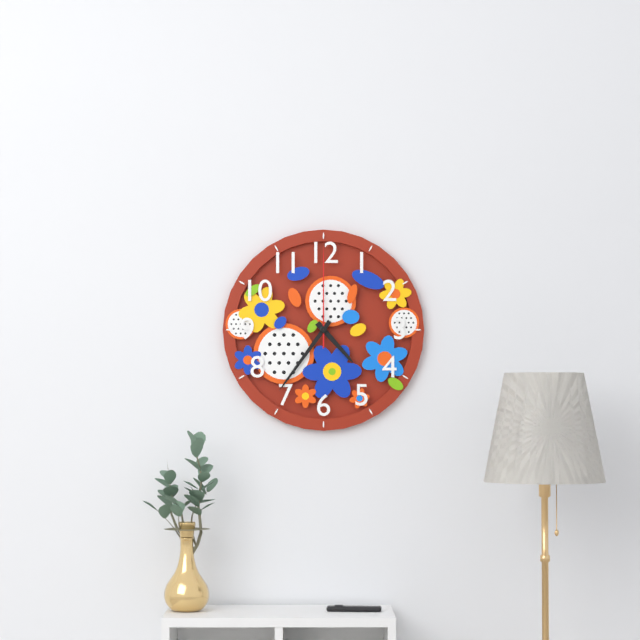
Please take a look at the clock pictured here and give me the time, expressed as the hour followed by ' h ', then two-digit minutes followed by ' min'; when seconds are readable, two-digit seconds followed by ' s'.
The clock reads 4 h 36 min 00 s
